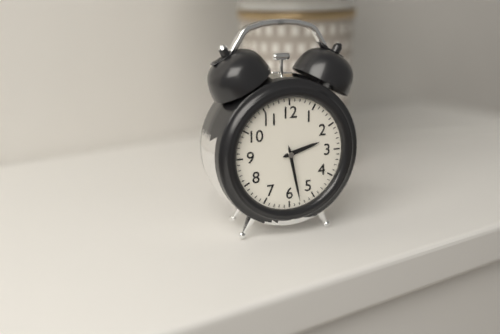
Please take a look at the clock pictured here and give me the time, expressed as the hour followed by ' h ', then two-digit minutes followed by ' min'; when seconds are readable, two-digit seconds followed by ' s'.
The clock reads 2 h 28 min
